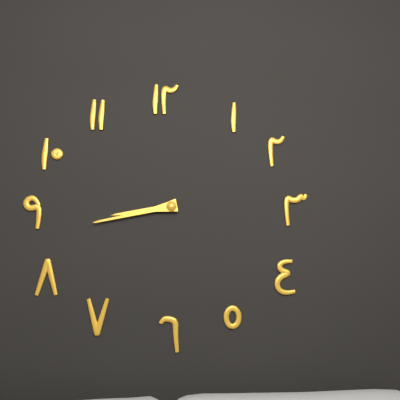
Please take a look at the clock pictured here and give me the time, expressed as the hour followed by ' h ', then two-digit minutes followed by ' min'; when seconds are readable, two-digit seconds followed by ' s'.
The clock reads 8 h 43 min
